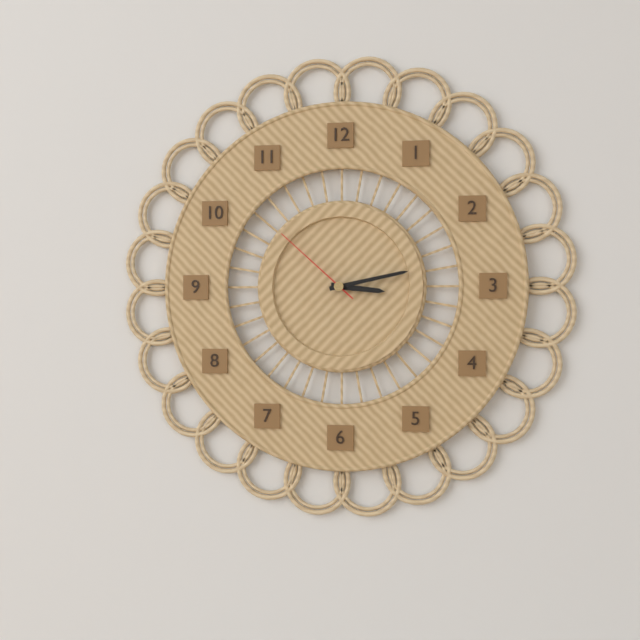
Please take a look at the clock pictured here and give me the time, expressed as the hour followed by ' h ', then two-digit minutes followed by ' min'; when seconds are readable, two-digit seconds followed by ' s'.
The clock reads 3 h 13 min 52 s
